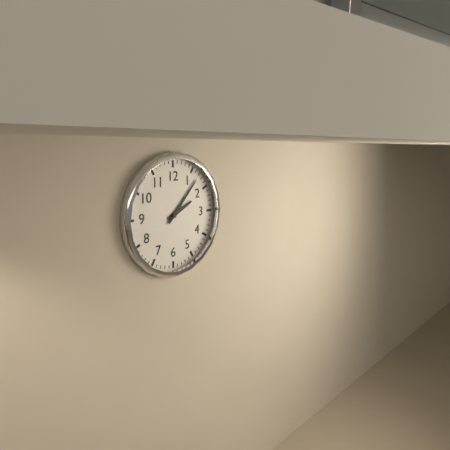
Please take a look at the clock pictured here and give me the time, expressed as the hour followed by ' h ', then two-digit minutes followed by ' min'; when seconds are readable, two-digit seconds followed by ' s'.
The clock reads 2 h 07 min
